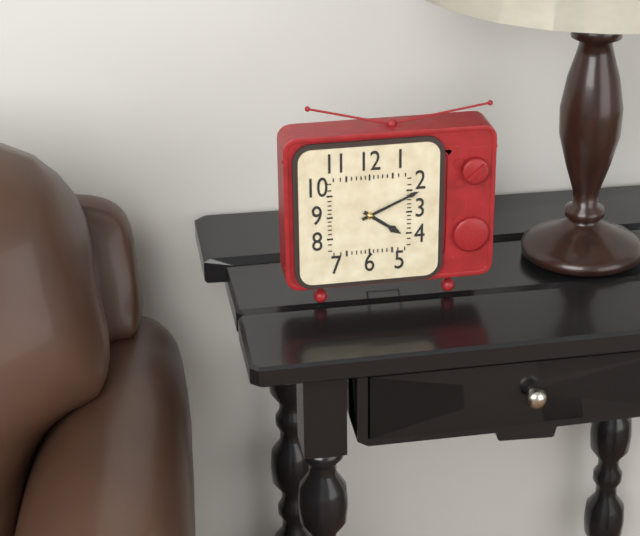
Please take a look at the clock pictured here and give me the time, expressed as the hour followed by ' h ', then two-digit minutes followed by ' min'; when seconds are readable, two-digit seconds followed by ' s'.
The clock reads 4 h 11 min
